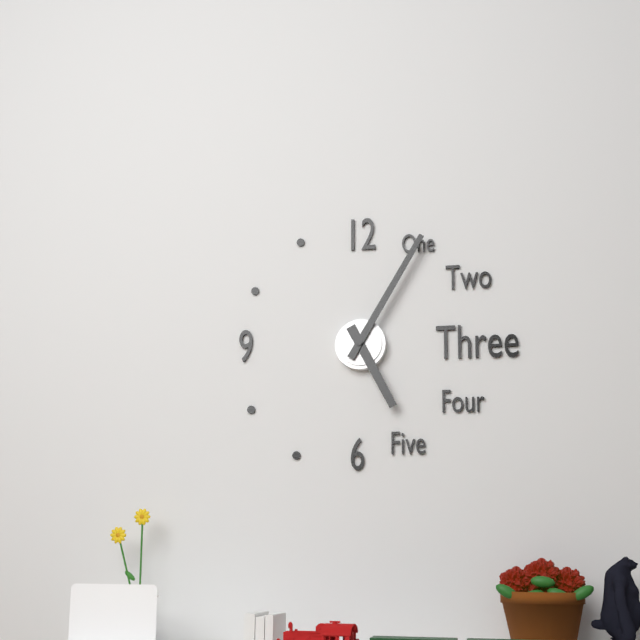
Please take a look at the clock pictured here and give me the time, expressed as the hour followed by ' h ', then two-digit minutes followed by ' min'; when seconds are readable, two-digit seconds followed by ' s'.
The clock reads 5 h 05 min
